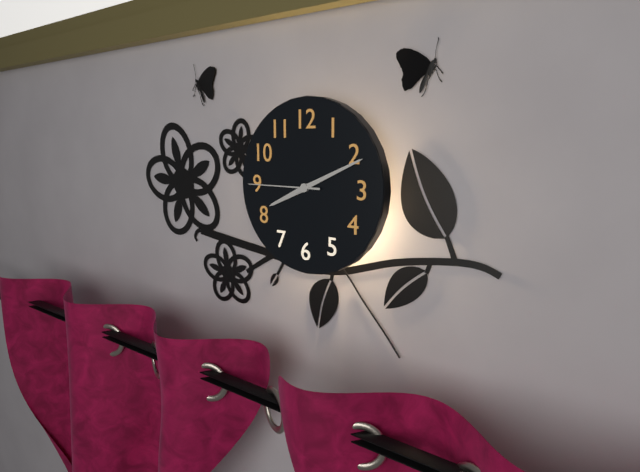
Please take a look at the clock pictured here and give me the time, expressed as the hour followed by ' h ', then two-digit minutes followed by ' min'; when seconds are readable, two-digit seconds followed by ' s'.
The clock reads 8 h 11 min 45 s
